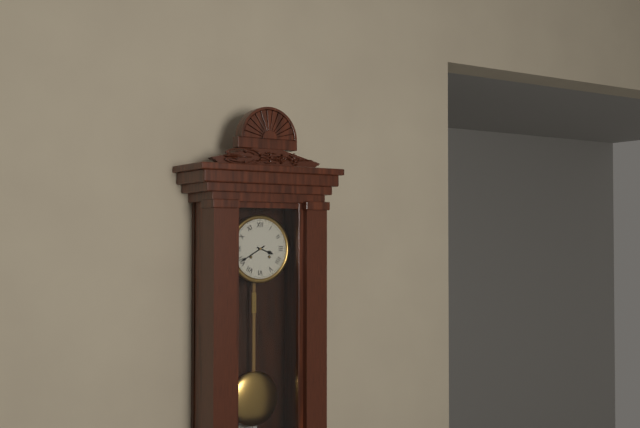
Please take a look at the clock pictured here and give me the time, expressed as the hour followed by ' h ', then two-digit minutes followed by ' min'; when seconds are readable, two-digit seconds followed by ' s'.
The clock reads 3 h 40 min
